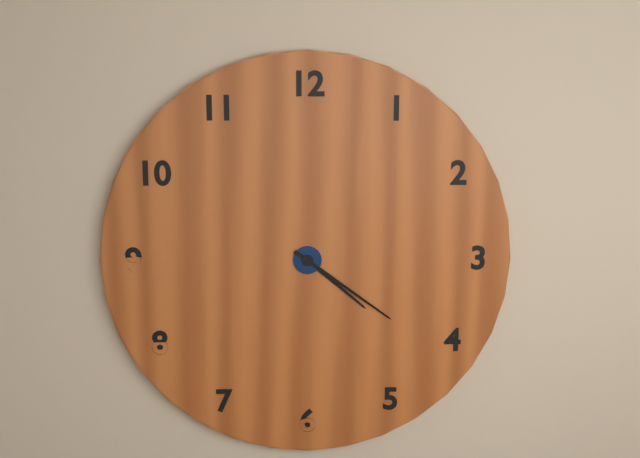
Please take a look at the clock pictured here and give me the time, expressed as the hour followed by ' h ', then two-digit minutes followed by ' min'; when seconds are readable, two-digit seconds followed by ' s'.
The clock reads 4 h 21 min
